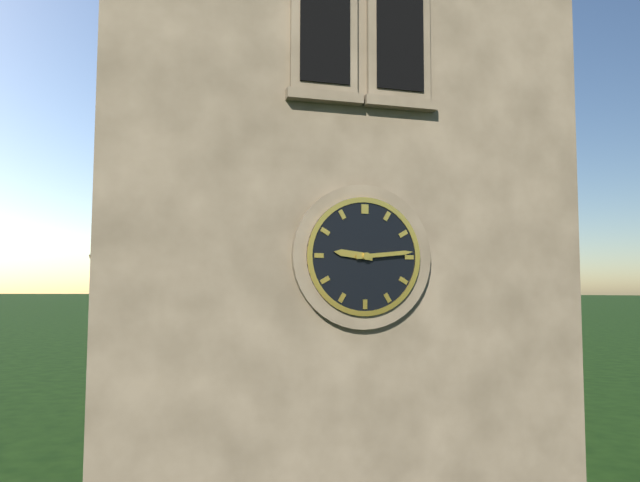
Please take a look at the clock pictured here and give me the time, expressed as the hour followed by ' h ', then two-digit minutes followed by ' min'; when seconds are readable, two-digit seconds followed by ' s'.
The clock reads 9 h 14 min
